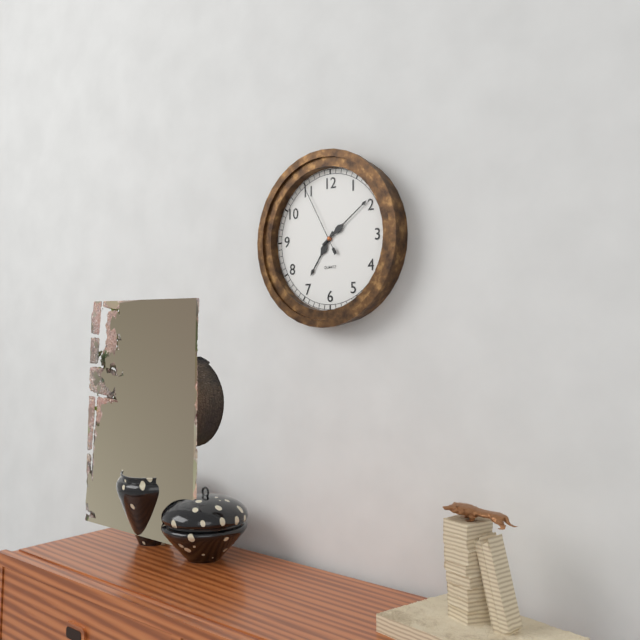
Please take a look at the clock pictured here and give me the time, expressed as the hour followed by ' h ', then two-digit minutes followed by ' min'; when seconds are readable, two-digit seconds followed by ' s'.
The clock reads 7 h 09 min 55 s
